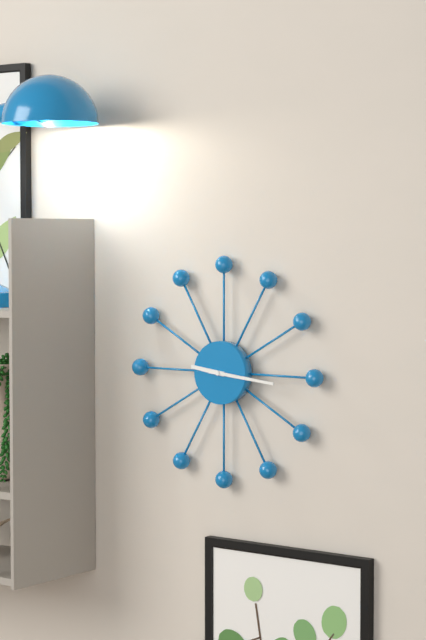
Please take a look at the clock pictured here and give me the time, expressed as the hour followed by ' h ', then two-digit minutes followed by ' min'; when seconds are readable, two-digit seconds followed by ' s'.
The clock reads 9 h 16 min
